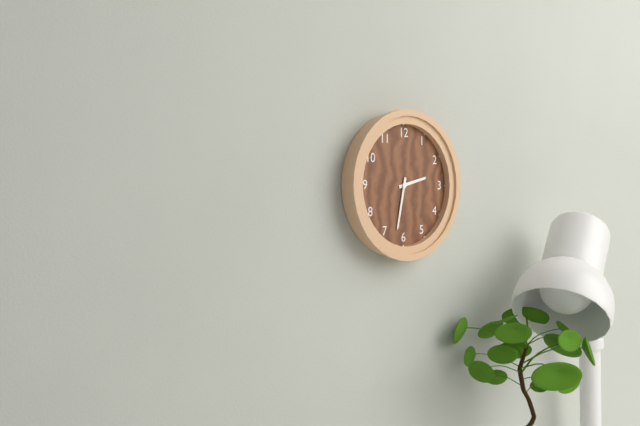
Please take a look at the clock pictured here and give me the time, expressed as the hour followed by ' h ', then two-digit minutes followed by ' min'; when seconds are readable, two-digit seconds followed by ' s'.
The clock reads 2 h 32 min
